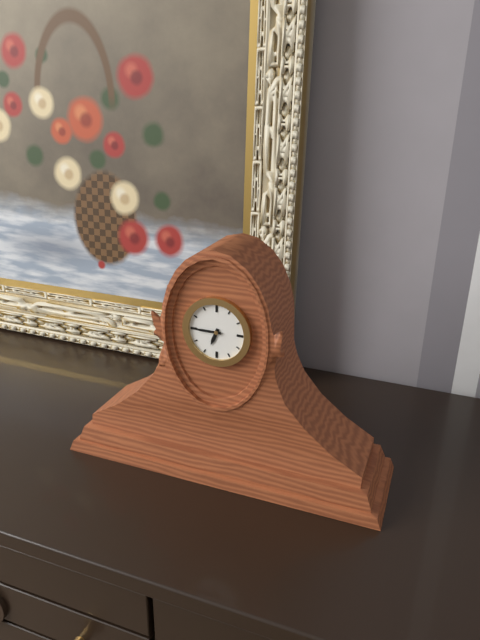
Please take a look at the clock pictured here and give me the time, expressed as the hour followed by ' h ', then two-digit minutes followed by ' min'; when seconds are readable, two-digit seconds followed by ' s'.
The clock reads 6 h 45 min
